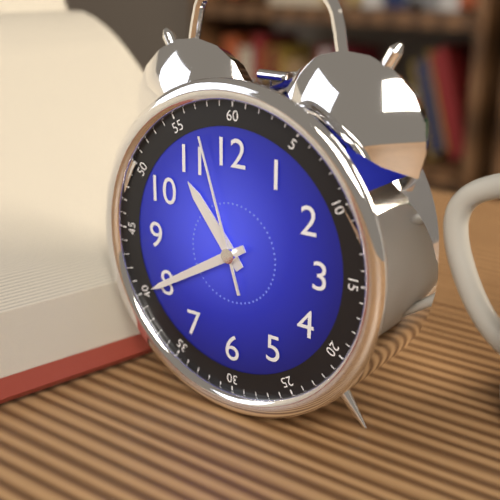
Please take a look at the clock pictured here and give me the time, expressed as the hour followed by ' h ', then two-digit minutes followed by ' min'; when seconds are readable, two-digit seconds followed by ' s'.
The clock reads 10 h 40 min 57 s
